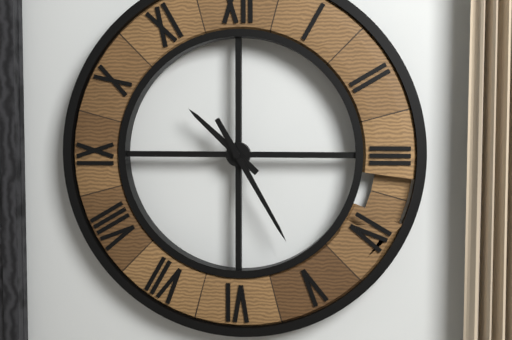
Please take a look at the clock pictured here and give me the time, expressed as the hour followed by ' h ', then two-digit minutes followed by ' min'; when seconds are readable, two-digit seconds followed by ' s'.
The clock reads 10 h 25 min
